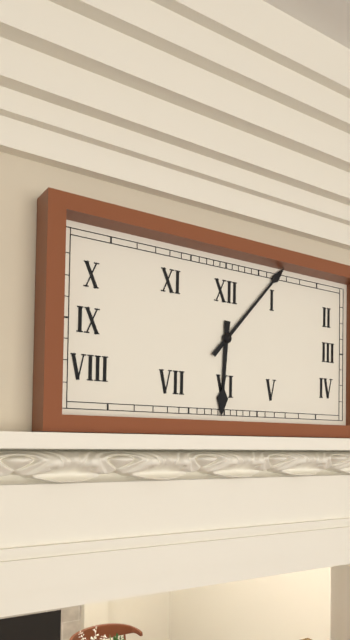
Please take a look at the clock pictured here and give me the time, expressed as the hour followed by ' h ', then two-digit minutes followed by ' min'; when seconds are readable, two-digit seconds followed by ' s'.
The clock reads 6 h 07 min
